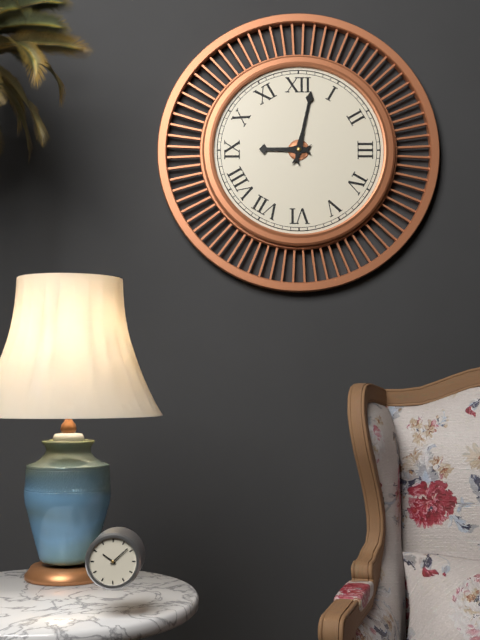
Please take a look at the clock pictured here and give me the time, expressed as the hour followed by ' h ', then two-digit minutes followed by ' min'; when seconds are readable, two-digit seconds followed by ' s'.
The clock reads 9 h 02 min
